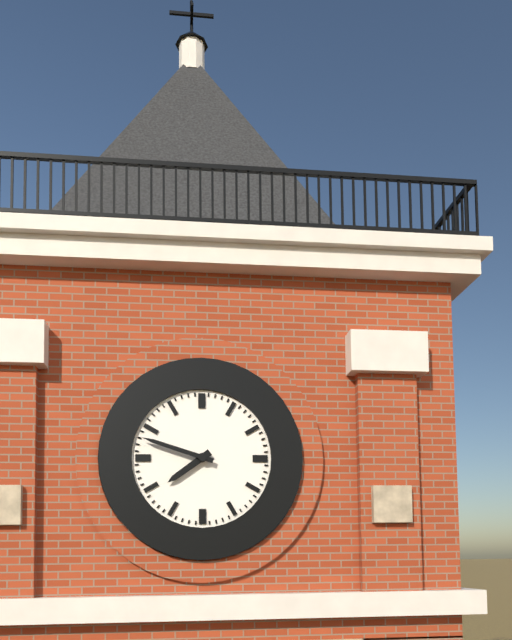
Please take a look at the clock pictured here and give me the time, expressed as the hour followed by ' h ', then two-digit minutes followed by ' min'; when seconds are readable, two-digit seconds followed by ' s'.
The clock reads 7 h 48 min
